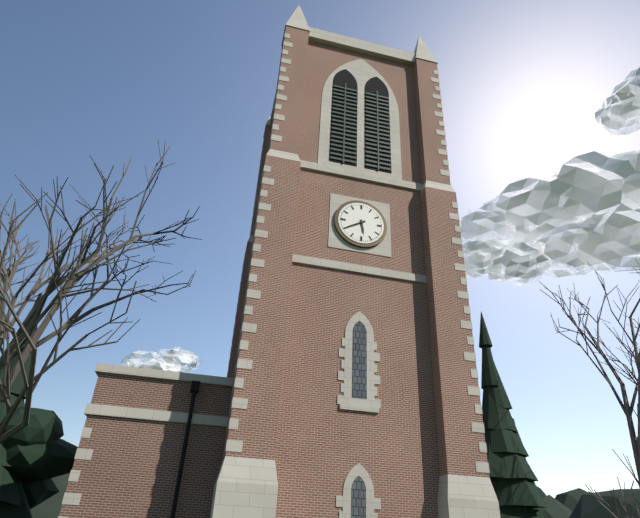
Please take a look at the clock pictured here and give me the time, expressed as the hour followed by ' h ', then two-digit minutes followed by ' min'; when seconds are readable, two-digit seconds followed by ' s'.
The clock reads 5 h 40 min
